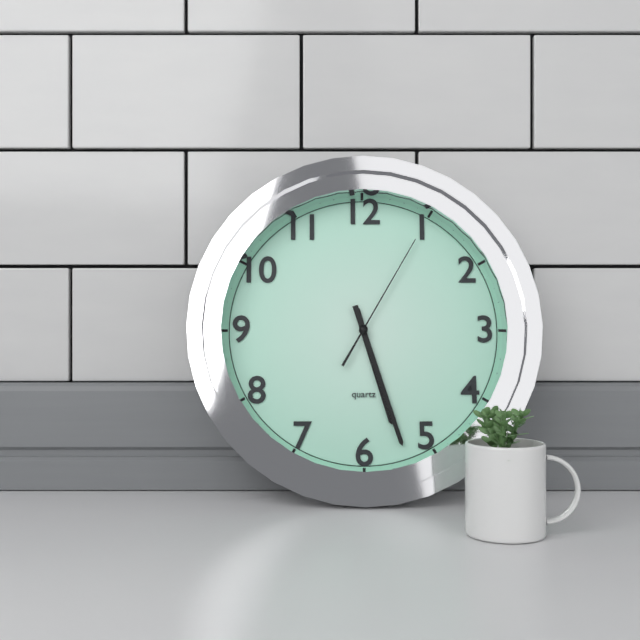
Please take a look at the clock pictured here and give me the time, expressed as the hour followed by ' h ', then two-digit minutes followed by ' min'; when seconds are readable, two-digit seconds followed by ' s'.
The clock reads 5 h 27 min 05 s
